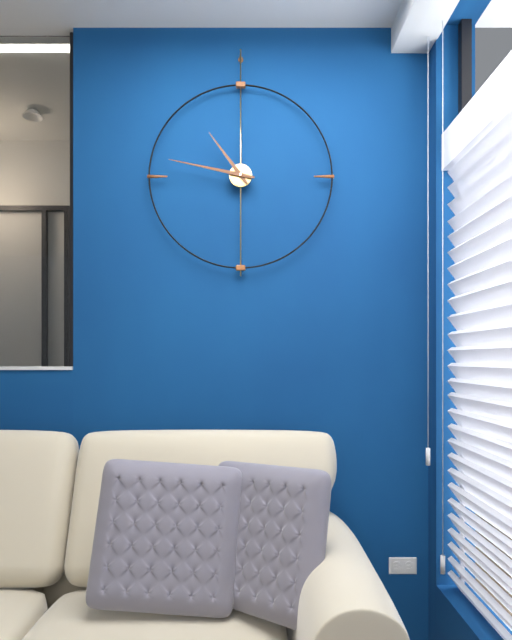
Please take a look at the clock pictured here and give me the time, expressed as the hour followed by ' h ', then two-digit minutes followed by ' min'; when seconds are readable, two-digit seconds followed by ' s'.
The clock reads 10 h 47 min
